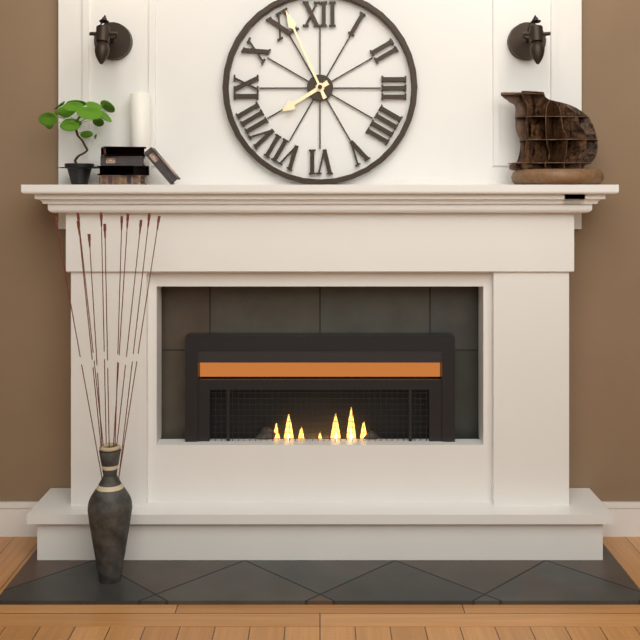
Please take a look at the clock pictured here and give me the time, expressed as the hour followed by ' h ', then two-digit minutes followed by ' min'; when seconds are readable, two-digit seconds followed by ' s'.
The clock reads 7 h 56 min
